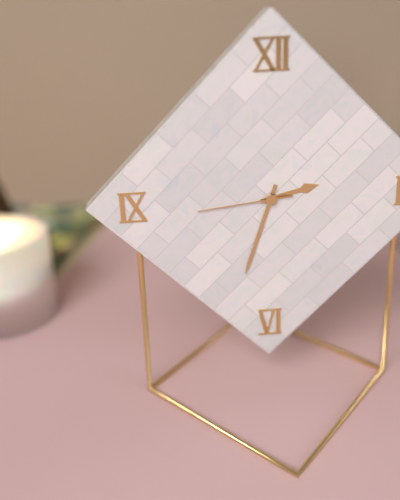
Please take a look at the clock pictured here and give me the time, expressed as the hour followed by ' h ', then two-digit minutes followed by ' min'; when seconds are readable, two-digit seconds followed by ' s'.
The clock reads 2 h 33 min 44 s
